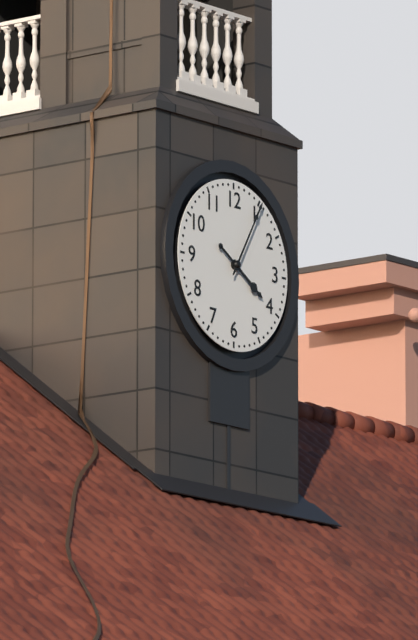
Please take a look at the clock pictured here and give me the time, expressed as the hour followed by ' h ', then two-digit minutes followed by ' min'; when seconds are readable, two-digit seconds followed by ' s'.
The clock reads 4 h 05 min
